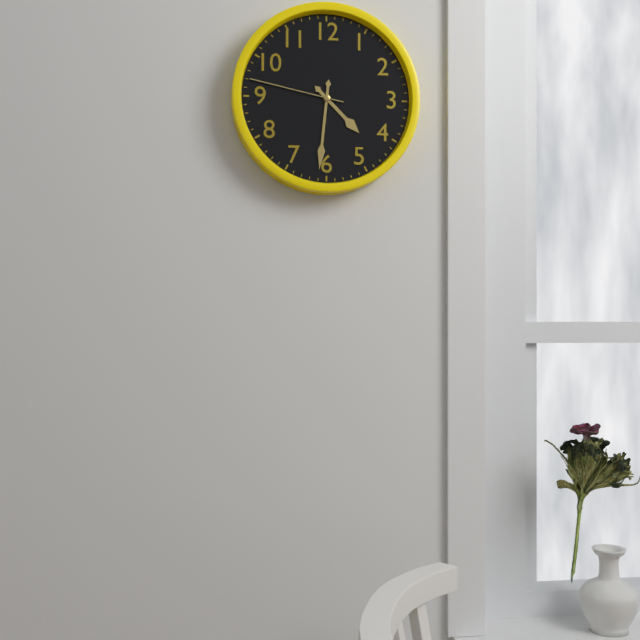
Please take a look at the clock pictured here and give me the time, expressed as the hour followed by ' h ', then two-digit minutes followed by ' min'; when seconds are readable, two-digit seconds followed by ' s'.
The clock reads 4 h 31 min 47 s
